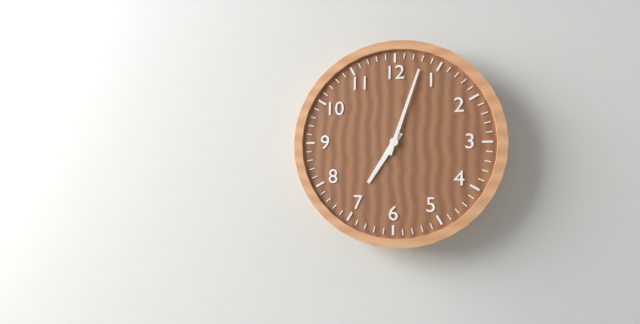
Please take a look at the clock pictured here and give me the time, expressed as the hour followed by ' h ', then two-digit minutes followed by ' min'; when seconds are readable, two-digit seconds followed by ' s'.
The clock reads 7 h 03 min
